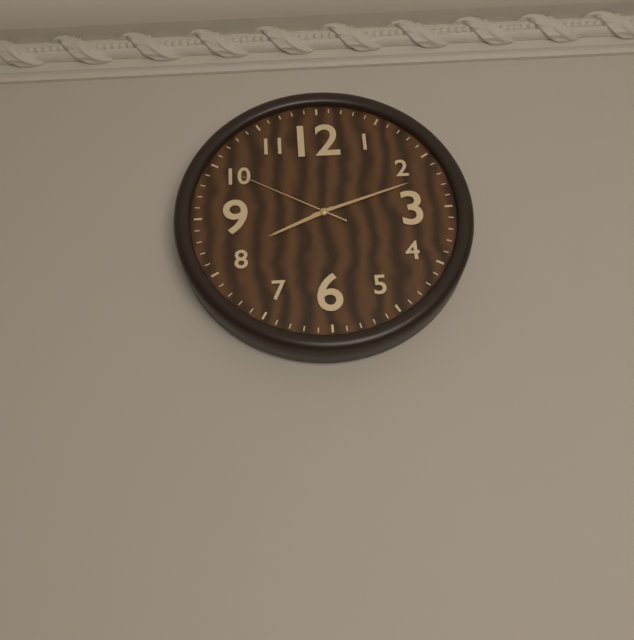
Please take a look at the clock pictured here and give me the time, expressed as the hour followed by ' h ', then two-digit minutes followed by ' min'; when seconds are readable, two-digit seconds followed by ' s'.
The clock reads 8 h 12 min 50 s
